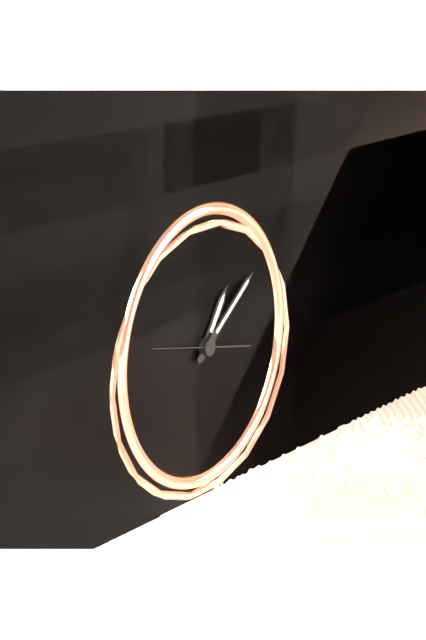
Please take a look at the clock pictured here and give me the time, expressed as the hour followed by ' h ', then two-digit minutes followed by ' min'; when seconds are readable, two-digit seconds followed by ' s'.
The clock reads 1 h 09 min 47 s
